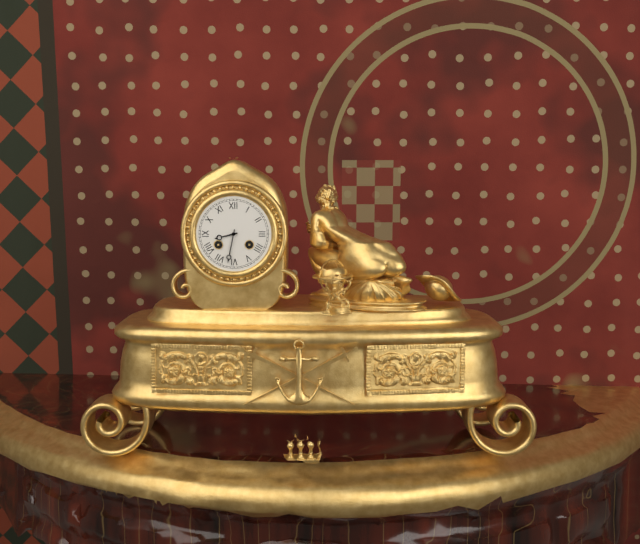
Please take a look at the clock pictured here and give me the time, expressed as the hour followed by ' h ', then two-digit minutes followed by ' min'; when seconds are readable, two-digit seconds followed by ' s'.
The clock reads 8 h 32 min
